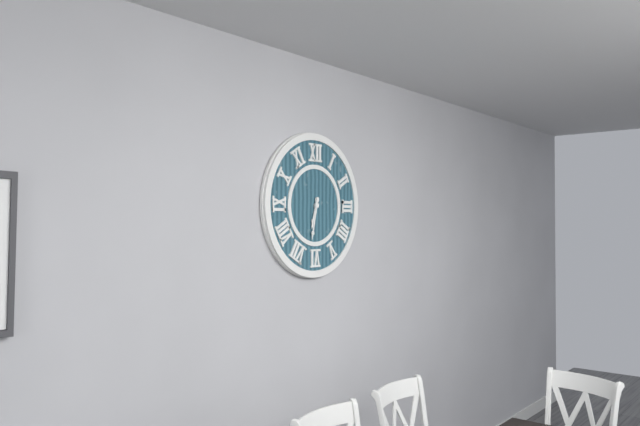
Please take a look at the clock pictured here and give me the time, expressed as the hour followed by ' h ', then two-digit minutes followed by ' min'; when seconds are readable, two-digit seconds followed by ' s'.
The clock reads 6 h 32 min
